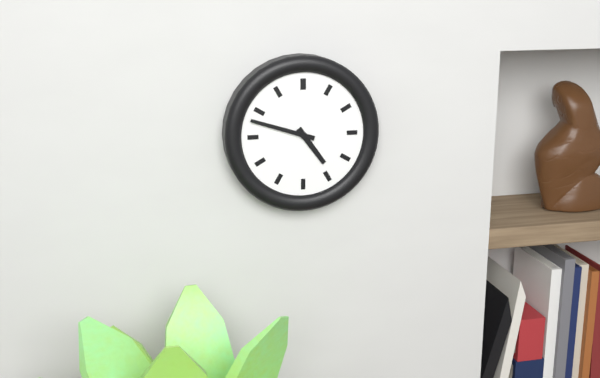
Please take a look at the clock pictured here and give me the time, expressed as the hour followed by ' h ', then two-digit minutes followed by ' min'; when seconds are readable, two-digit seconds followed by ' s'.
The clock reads 4 h 48 min
